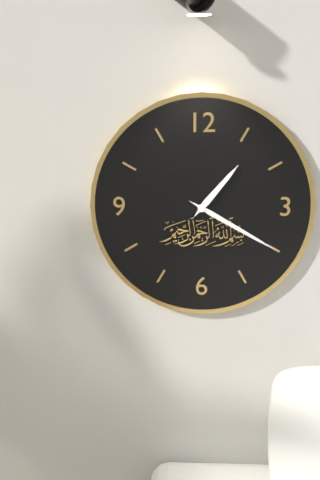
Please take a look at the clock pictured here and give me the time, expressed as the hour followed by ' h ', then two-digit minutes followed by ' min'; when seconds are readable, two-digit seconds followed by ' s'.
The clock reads 1 h 20 min
